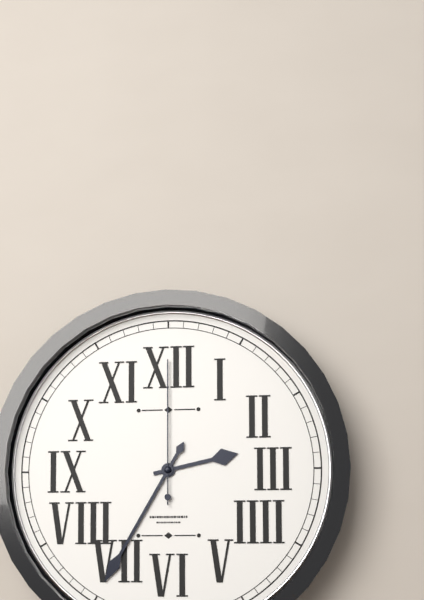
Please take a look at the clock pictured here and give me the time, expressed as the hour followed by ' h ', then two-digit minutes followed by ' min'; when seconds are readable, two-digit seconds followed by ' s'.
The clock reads 2 h 35 min 00 s
